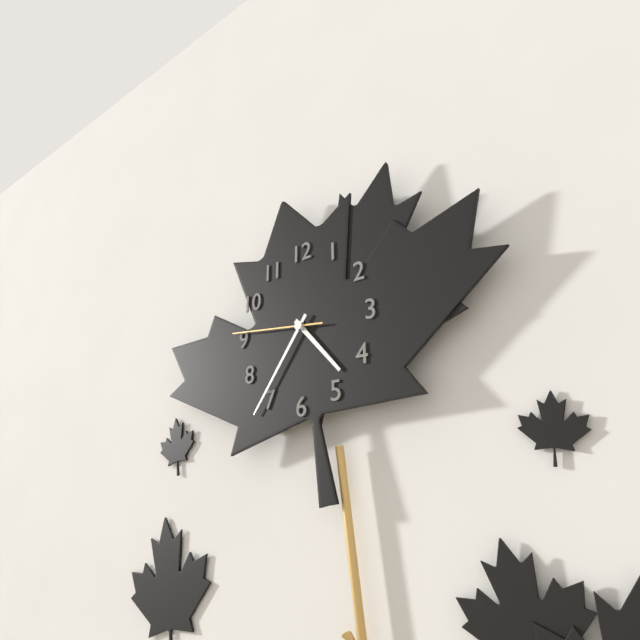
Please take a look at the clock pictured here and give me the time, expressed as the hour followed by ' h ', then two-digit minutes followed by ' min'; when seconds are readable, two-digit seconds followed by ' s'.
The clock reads 4 h 36 min 46 s
